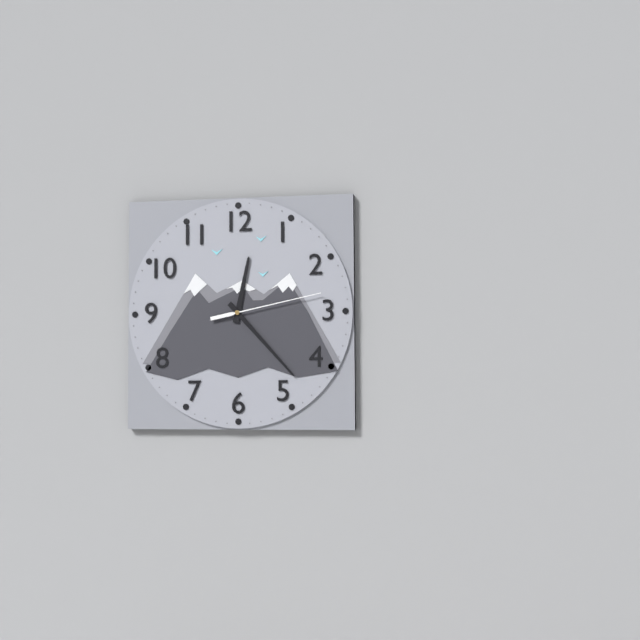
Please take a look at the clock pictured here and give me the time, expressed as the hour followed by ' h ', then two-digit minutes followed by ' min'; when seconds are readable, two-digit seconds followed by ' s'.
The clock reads 12 h 23 min 13 s
